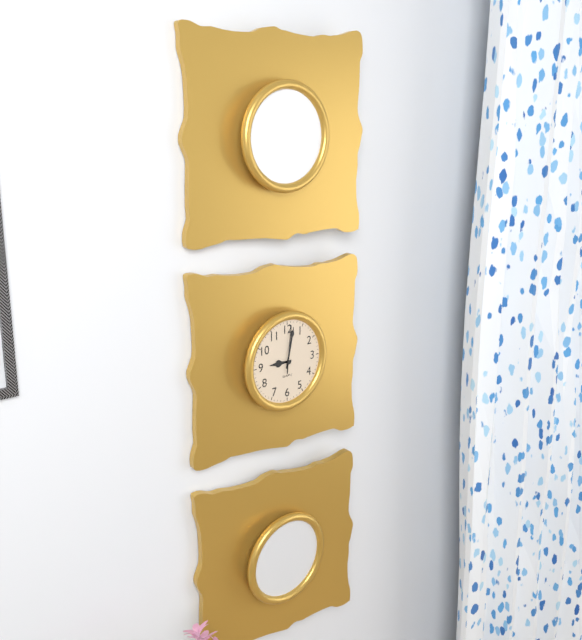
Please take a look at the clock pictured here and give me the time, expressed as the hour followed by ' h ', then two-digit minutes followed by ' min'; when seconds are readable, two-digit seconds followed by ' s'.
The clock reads 9 h 02 min
